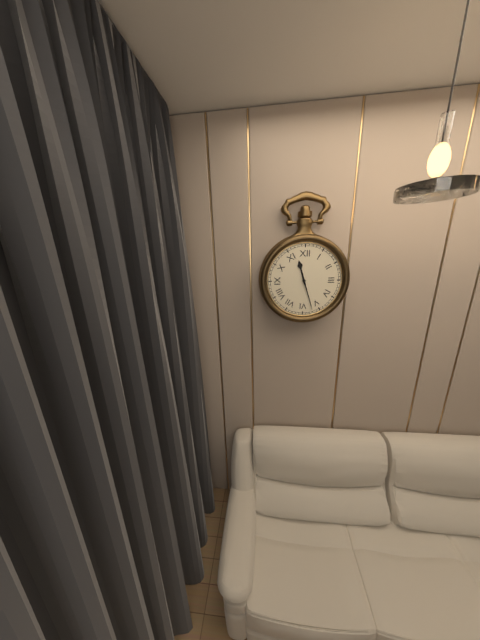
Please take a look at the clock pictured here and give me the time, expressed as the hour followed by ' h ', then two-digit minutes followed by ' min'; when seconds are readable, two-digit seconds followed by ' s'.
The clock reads 11 h 27 min
